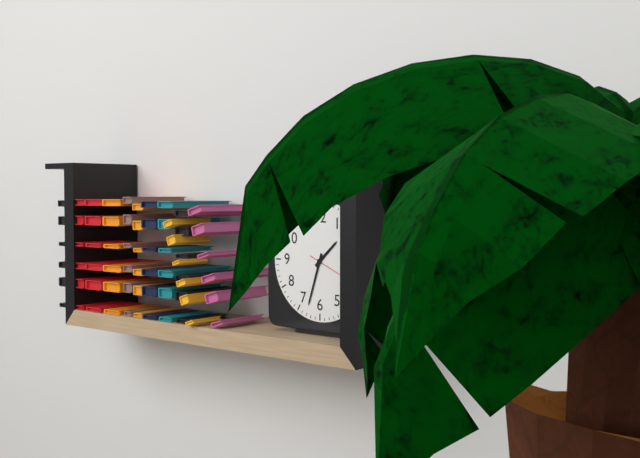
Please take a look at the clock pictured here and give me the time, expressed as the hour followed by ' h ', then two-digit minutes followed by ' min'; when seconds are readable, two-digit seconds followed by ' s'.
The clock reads 1 h 33 min
